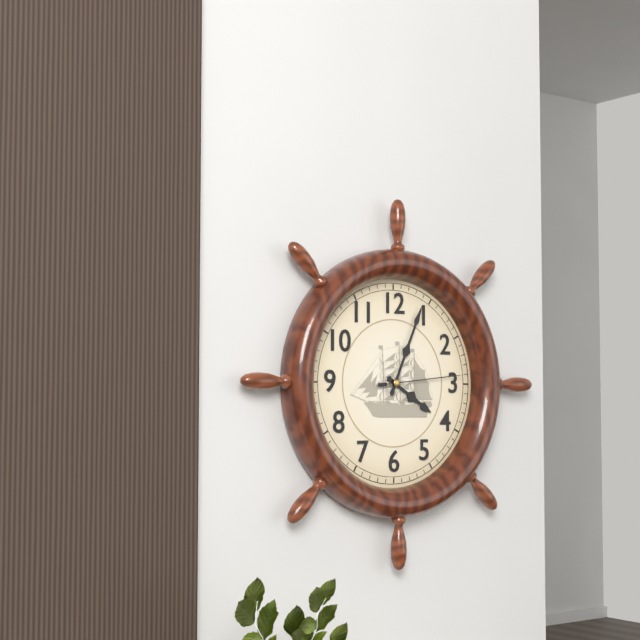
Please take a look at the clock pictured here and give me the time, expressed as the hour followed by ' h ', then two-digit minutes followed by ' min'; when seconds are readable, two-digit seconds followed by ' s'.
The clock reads 4 h 04 min 14 s
